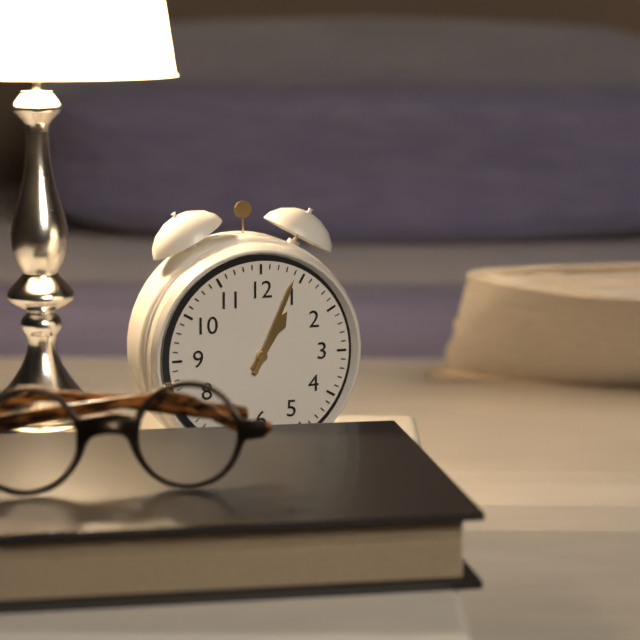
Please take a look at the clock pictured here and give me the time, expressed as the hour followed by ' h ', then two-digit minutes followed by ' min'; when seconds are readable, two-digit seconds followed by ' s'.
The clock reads 1 h 04 min
